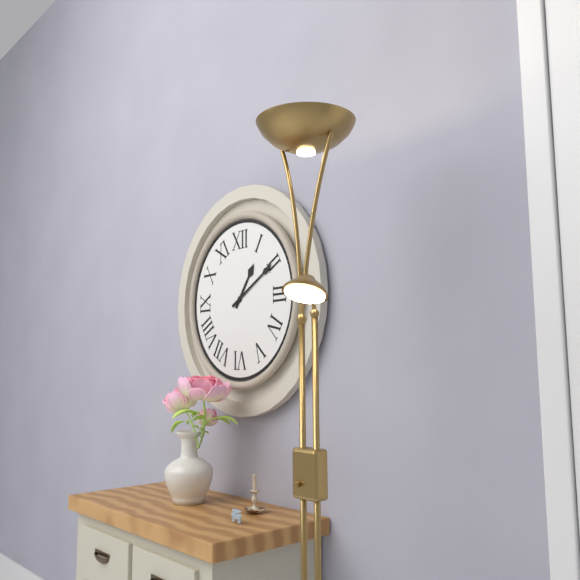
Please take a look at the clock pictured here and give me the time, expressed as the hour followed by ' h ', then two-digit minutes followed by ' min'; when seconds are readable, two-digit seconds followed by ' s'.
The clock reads 1 h 10 min
